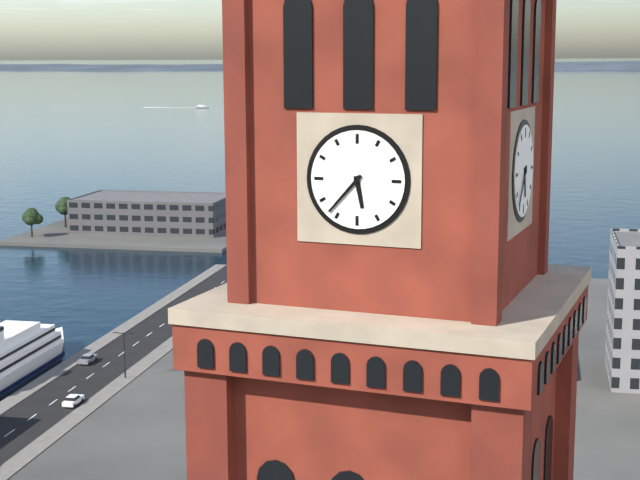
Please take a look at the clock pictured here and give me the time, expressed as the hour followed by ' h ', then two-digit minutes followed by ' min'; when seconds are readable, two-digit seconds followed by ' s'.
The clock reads 5 h 37 min
